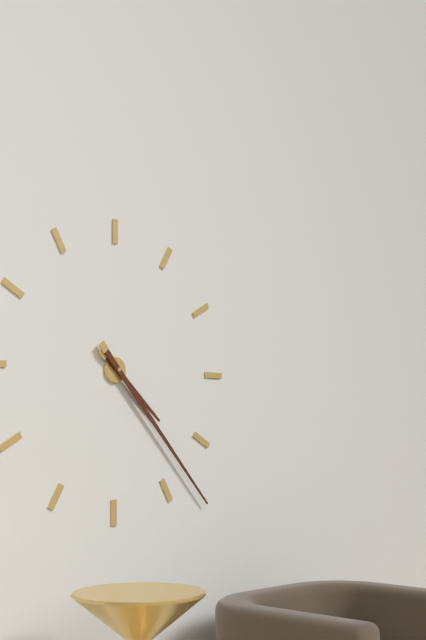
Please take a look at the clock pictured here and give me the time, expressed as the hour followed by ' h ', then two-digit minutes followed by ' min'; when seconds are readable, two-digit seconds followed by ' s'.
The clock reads 4 h 23 min
